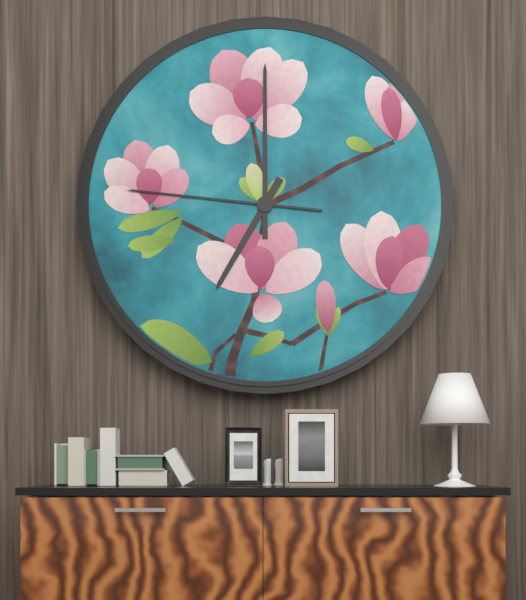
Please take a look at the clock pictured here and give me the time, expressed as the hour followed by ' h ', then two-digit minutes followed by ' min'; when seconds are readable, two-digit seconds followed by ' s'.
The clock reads 7 h 00 min 46 s
